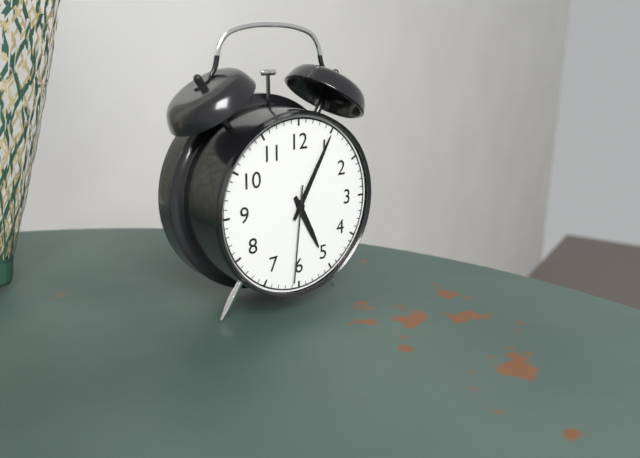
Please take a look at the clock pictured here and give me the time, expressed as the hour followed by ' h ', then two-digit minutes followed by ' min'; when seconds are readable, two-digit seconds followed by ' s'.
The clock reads 5 h 05 min 31 s
